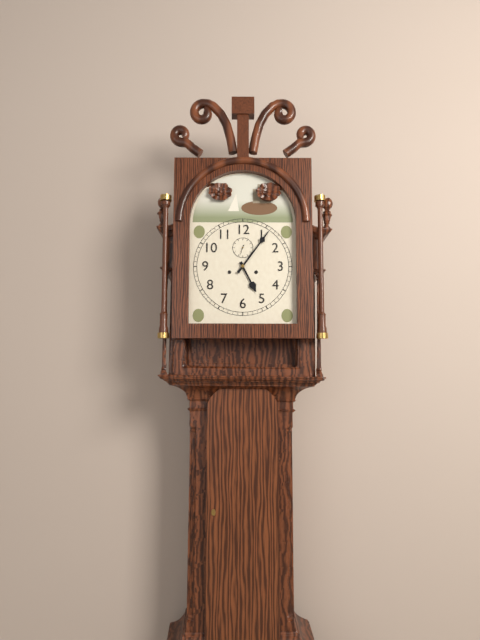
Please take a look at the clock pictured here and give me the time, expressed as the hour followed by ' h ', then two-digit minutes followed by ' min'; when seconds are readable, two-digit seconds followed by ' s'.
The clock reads 5 h 06 min
